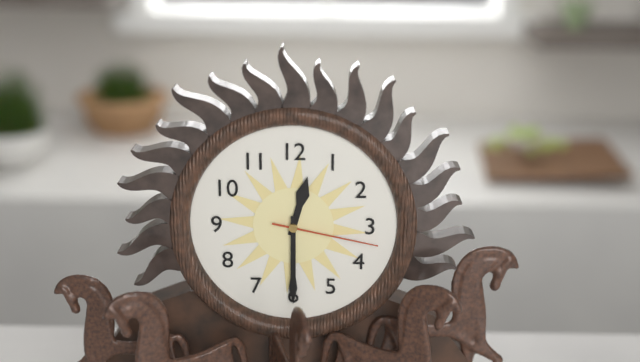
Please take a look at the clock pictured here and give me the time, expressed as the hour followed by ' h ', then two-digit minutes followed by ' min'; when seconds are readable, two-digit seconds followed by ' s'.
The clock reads 12 h 30 min 17 s
